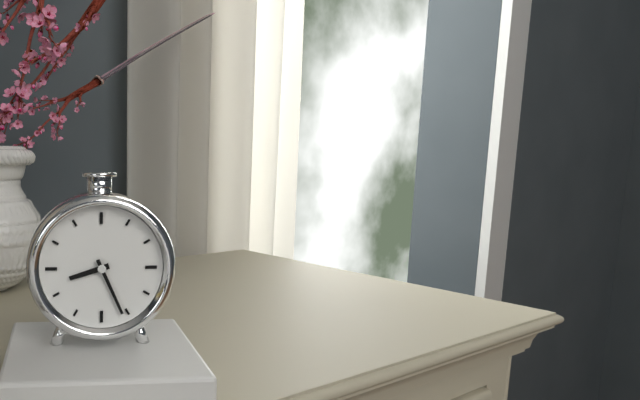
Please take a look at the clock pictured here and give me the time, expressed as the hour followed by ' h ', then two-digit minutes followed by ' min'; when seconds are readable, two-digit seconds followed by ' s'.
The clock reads 8 h 26 min
